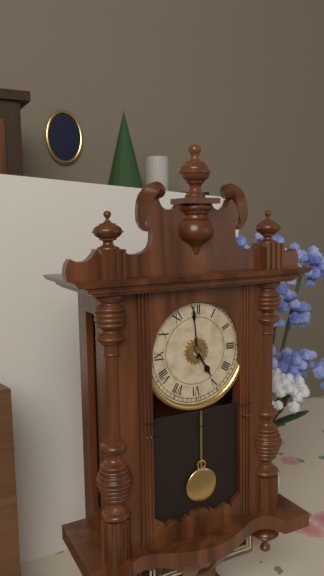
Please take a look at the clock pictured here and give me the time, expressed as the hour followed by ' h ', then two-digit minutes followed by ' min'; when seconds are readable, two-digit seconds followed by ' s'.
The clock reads 4 h 59 min
